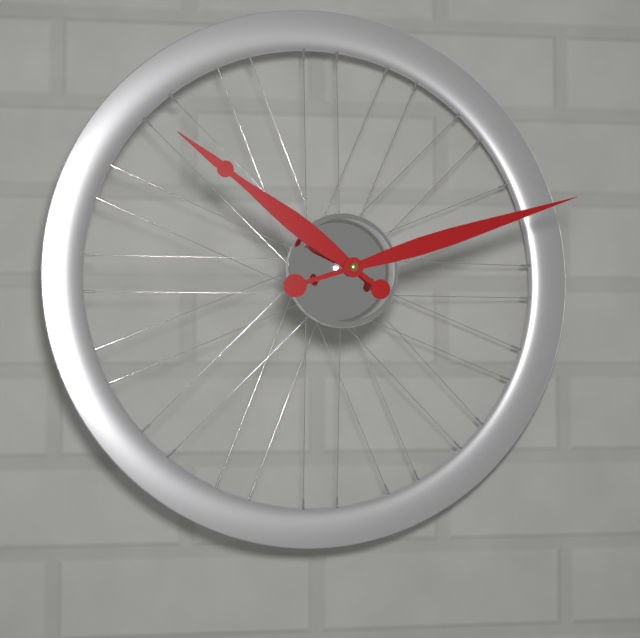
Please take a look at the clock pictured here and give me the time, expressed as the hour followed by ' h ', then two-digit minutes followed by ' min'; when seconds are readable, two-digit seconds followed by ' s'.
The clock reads 10 h 12 min
